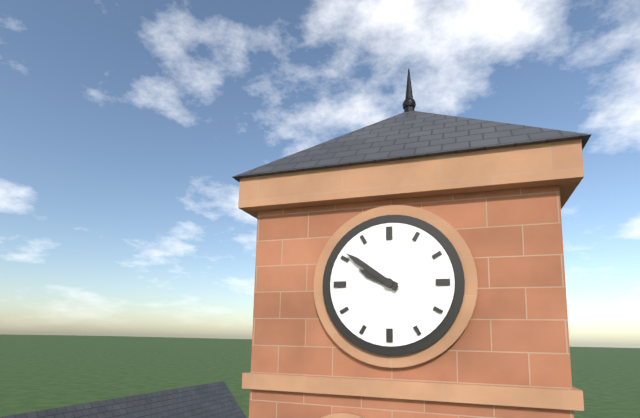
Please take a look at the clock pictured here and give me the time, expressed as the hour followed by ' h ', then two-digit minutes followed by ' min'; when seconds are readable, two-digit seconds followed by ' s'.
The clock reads 9 h 51 min
